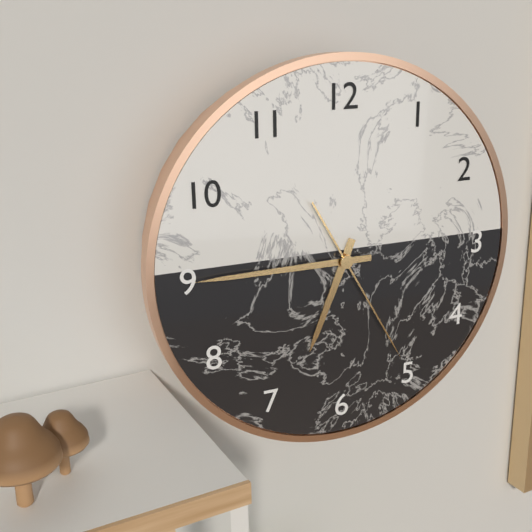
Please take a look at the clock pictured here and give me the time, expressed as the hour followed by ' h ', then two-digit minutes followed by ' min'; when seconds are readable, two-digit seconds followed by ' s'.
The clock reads 6 h 45 min 25 s
